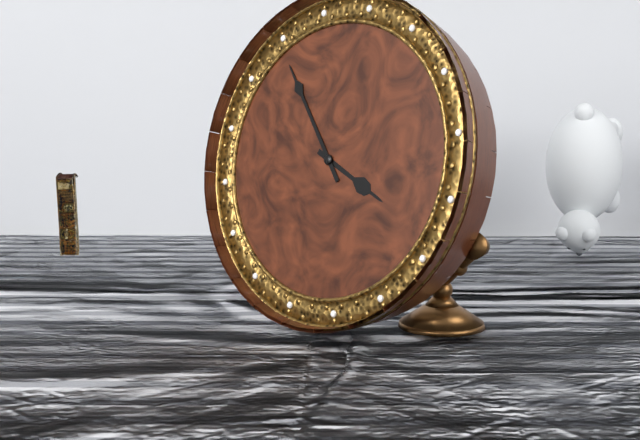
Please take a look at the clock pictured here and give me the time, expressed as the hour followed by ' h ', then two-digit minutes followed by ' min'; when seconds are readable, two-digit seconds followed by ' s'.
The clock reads 3 h 54 min
